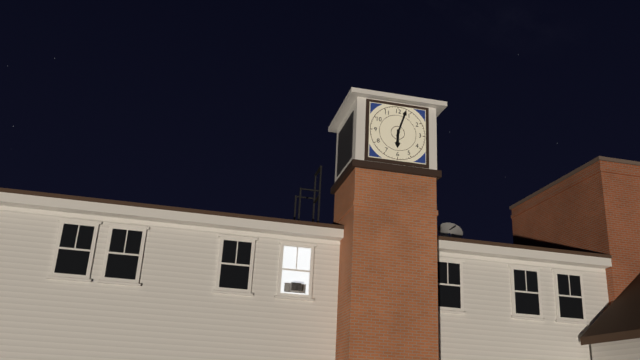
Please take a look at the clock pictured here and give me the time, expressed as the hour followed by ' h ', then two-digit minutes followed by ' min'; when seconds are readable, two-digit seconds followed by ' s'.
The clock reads 6 h 03 min
